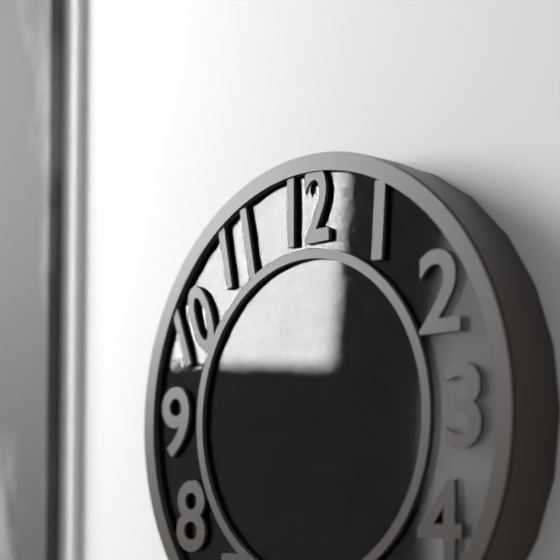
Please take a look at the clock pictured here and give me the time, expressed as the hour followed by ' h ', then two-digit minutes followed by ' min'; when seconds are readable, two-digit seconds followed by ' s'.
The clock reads 9 h 42 min
